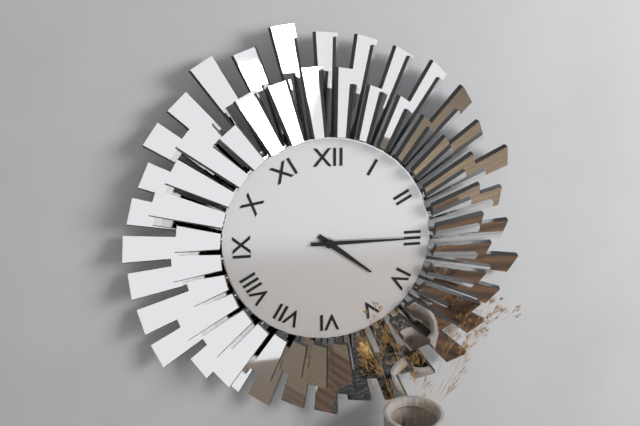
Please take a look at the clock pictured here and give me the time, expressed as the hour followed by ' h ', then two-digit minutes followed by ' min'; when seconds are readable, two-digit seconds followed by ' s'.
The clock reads 4 h 15 min
